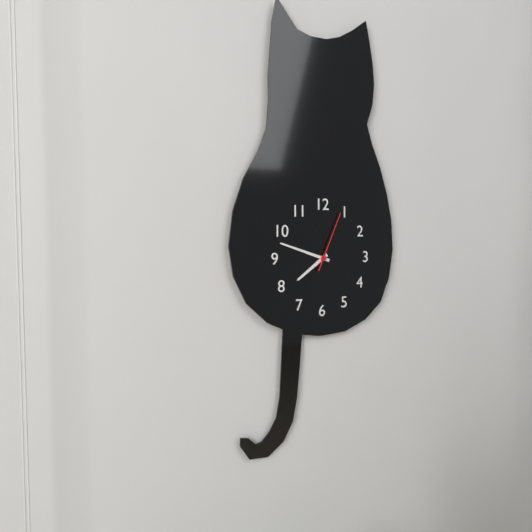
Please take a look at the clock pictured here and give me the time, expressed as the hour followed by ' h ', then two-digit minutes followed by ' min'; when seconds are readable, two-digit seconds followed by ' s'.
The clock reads 7 h 48 min 04 s
